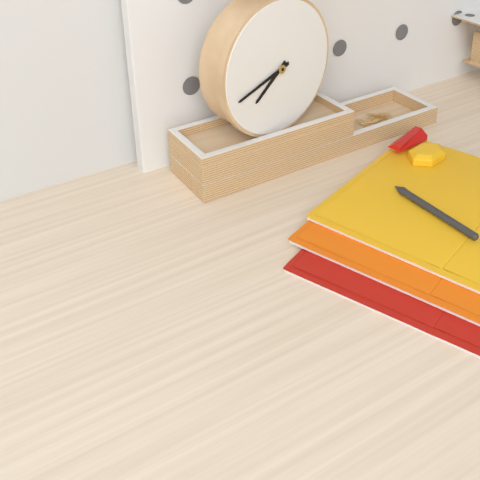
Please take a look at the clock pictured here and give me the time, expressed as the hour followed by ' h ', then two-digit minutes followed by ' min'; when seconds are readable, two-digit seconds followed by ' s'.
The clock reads 7 h 42 min
